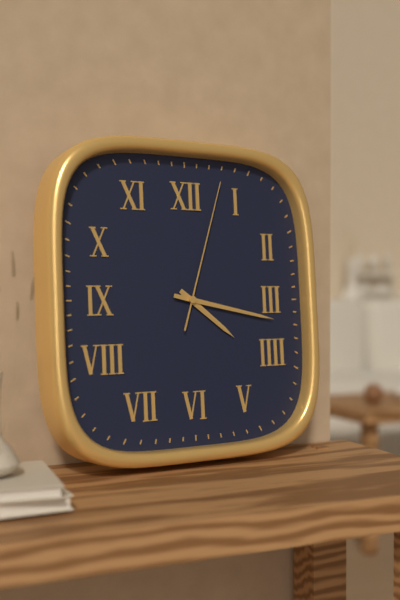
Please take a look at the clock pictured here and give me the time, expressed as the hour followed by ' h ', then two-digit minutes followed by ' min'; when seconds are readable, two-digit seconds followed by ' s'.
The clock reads 4 h 17 min 03 s
